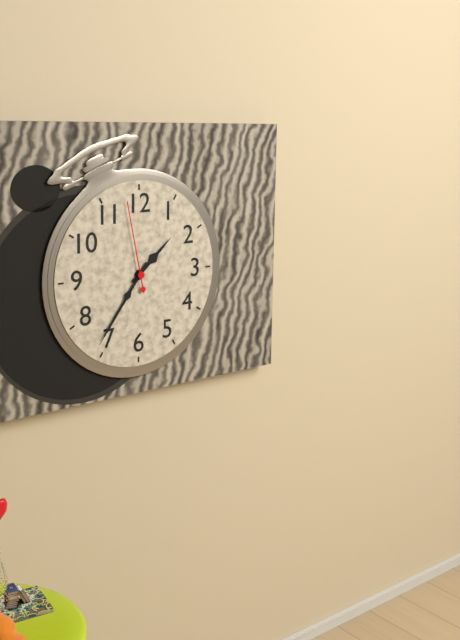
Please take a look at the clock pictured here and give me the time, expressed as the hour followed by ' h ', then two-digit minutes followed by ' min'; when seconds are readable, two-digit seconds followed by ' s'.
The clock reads 1 h 36 min 58 s
